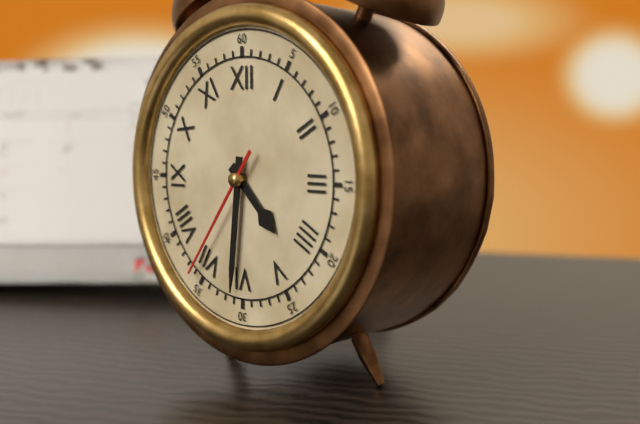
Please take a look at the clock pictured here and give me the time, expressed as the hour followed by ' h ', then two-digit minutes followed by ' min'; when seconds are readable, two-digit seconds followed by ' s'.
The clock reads 4 h 31 min 36 s
